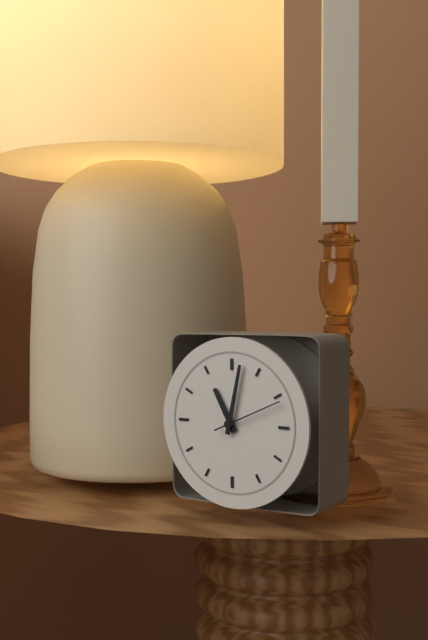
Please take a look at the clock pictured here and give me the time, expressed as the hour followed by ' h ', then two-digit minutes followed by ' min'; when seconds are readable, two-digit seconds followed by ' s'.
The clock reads 11 h 02 min
